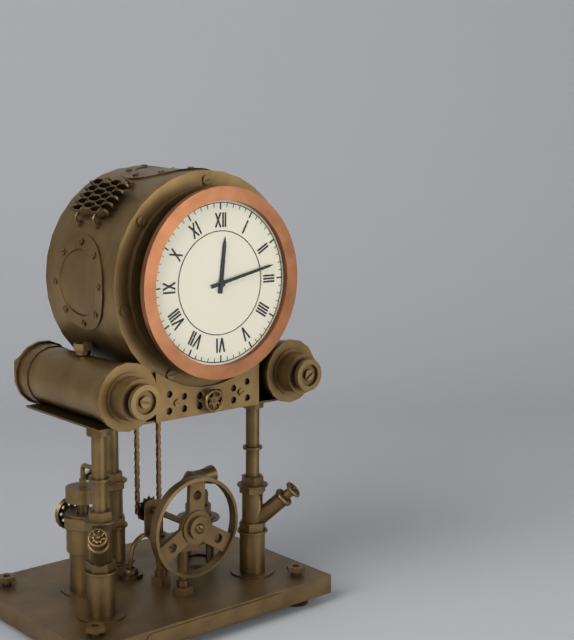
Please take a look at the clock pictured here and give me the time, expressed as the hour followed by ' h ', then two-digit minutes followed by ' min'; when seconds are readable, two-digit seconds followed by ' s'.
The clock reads 12 h 13 min
